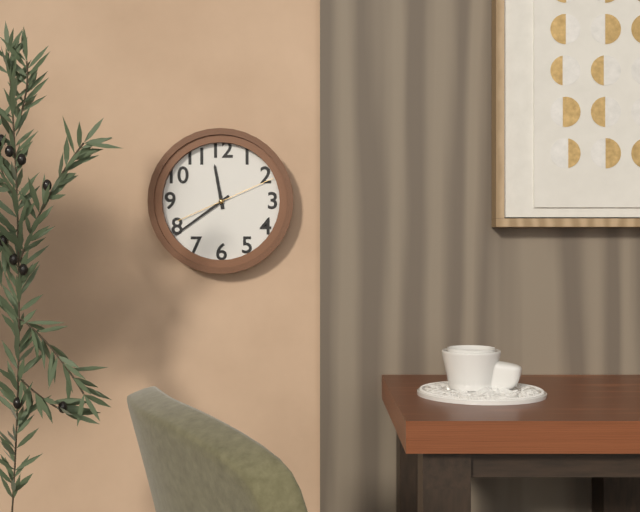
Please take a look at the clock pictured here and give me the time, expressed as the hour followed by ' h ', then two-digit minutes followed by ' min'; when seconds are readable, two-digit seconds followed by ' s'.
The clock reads 11 h 39 min 11 s
